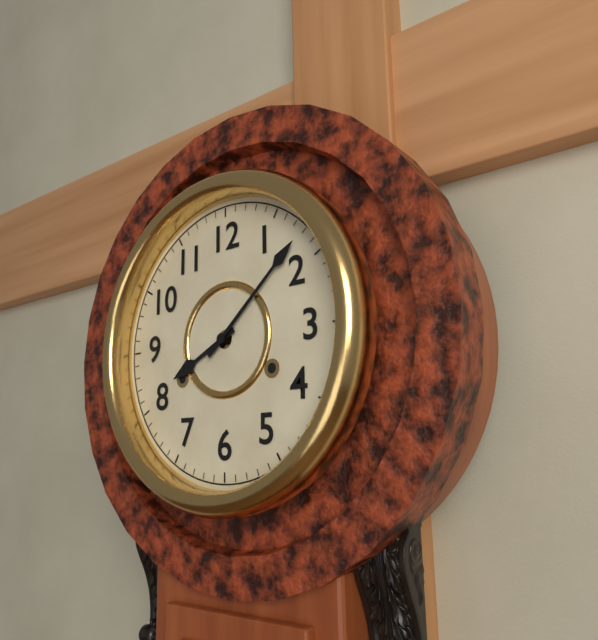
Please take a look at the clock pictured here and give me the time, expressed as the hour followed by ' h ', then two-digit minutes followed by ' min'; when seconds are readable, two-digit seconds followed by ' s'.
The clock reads 8 h 08 min
